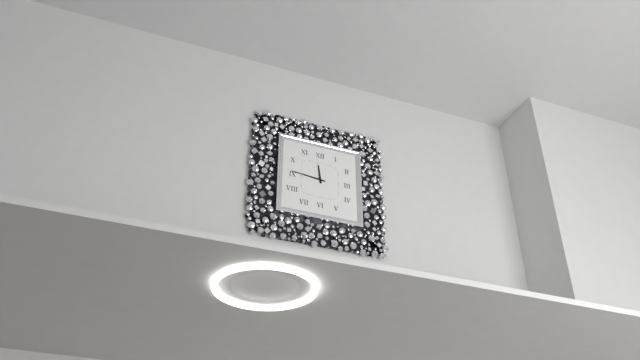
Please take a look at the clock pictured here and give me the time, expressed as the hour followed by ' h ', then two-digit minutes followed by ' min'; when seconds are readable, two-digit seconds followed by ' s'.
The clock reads 11 h 46 min
